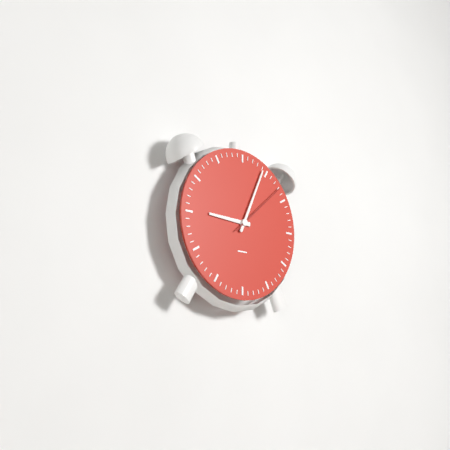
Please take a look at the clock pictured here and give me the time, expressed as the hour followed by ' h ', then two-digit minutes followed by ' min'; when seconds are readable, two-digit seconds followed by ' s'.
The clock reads 9 h 04 min 08 s
